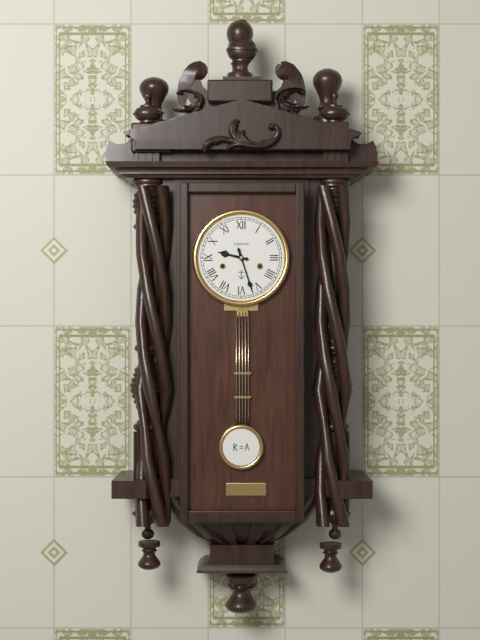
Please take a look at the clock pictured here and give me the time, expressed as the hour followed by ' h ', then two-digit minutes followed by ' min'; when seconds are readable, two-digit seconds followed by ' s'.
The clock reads 9 h 27 min
